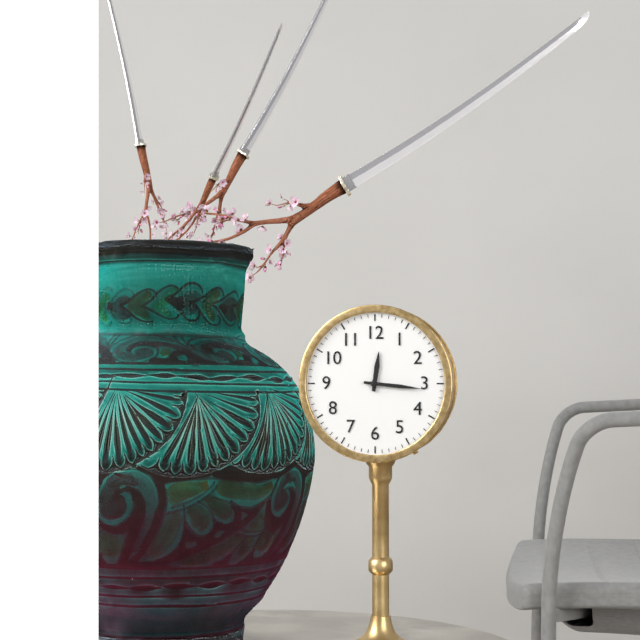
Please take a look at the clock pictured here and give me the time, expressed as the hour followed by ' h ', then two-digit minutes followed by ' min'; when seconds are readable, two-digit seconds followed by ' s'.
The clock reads 12 h 16 min
